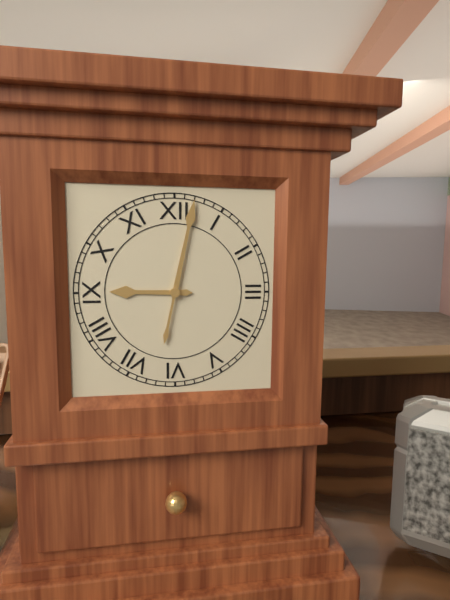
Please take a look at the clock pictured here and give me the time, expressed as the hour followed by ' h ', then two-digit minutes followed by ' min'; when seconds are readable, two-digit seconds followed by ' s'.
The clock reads 9 h 02 min
